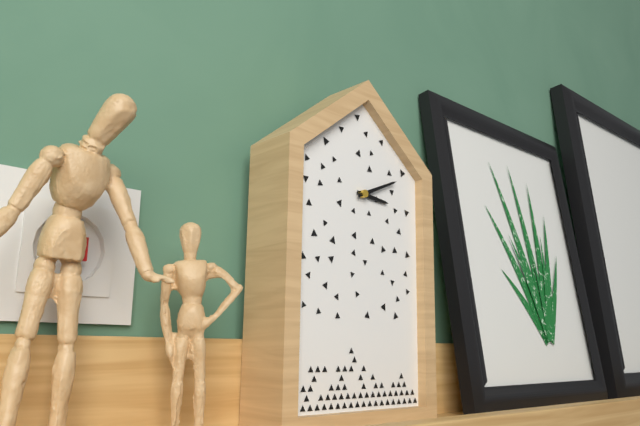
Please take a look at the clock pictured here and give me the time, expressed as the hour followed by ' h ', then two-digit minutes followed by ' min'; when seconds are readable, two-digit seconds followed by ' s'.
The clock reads 3 h 11 min
